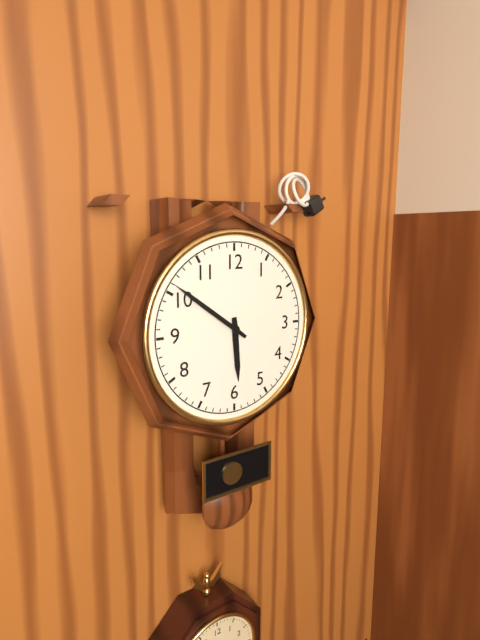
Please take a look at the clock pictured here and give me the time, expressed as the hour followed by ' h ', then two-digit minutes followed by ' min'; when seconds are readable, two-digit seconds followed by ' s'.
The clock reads 5 h 51 min
